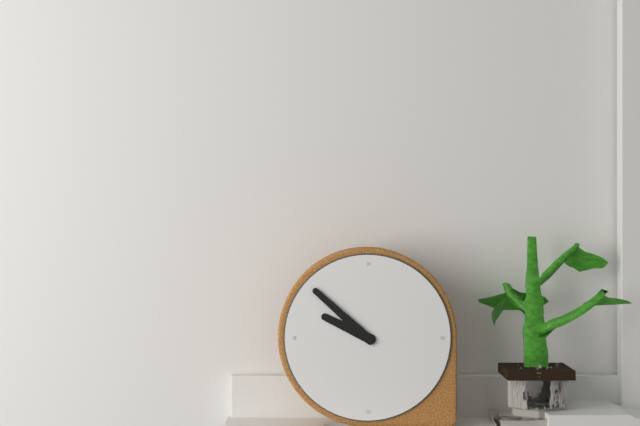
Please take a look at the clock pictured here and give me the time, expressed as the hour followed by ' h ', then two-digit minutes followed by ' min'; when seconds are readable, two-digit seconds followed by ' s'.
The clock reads 9 h 52 min
